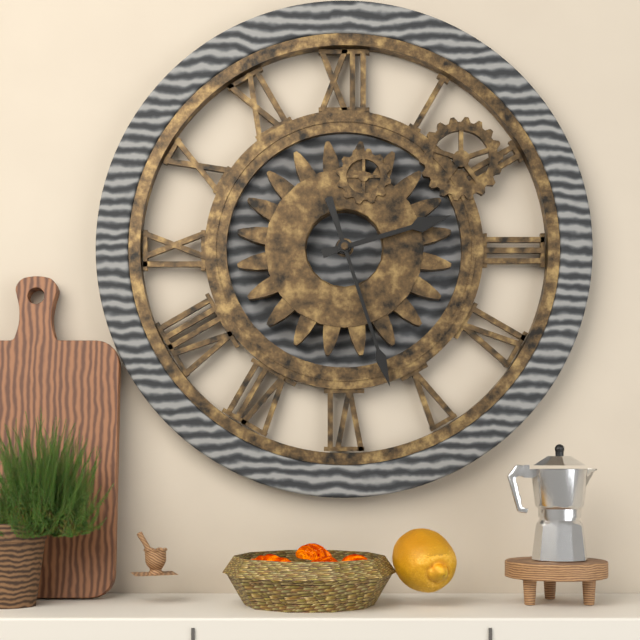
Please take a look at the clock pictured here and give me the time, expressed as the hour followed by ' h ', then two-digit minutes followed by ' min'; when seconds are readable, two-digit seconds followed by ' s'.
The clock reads 2 h 27 min
